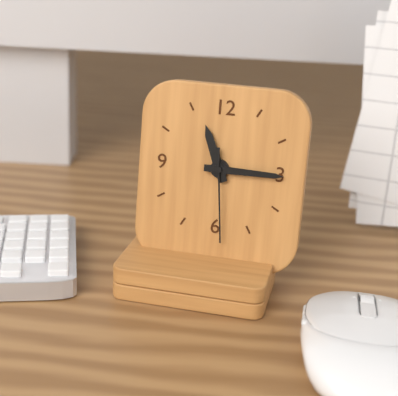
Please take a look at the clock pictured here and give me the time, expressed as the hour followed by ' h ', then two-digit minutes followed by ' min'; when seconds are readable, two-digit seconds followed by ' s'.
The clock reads 11 h 15 min 29 s
